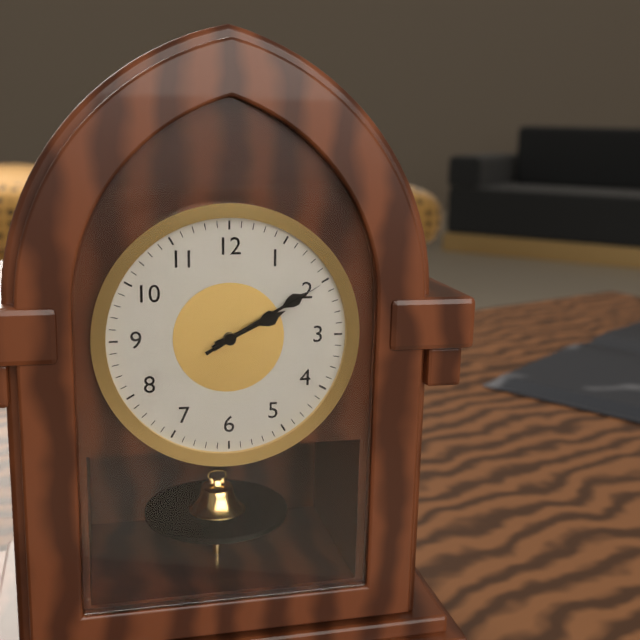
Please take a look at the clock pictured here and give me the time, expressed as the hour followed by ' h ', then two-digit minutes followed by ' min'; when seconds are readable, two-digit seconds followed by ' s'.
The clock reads 2 h 10 min 10 s
